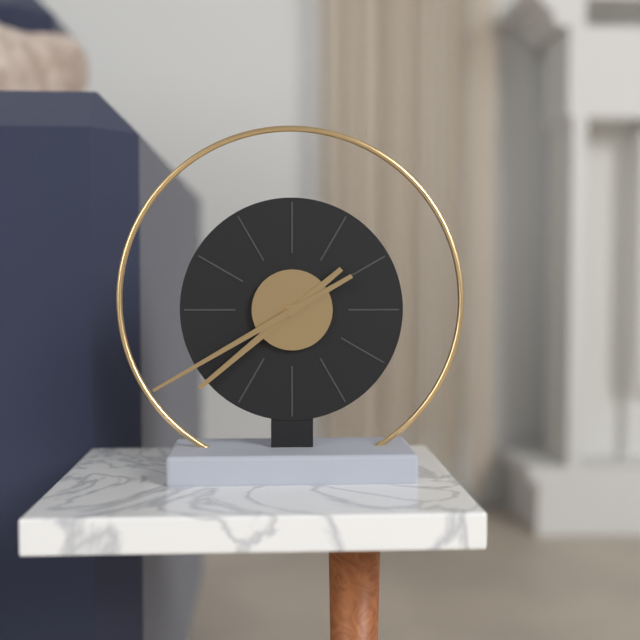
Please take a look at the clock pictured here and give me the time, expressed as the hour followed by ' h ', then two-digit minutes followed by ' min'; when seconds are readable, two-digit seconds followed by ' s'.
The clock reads 7 h 40 min
